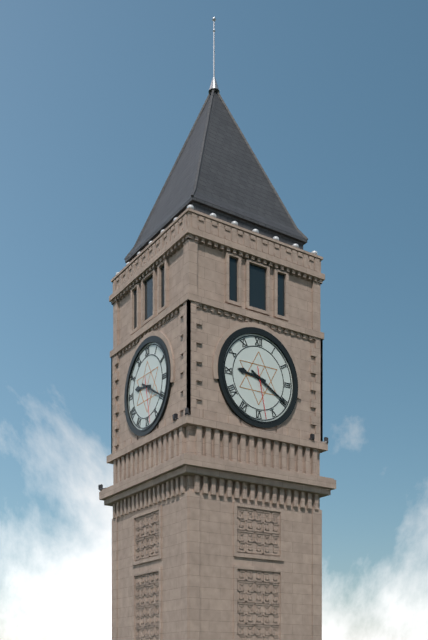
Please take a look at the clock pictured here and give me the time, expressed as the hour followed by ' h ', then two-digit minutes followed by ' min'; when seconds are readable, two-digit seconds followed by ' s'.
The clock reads 9 h 20 min 28 s
